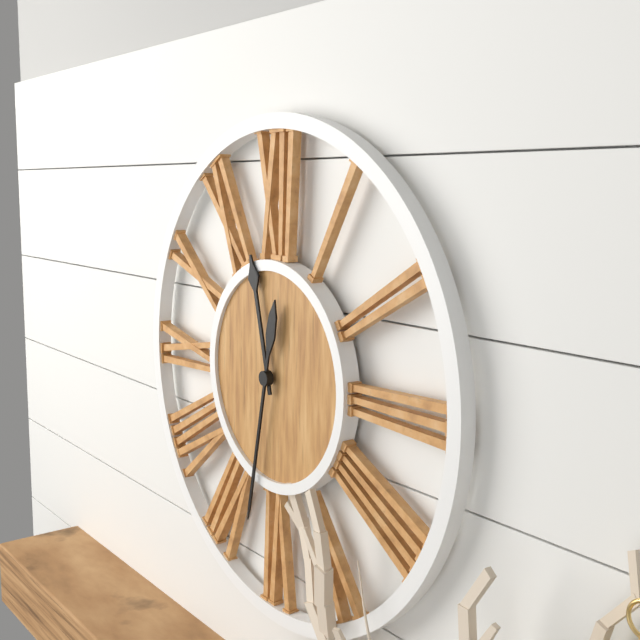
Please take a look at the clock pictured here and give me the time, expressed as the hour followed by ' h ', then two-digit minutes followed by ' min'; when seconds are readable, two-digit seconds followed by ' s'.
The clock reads 11 h 32 min
